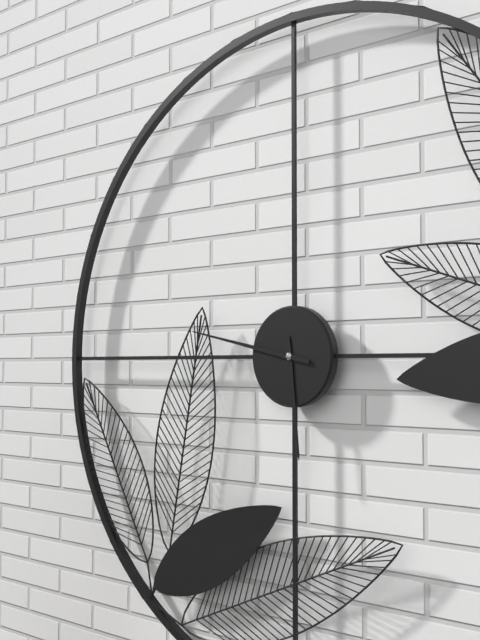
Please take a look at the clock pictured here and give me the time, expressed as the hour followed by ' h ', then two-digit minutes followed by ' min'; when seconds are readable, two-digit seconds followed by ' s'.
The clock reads 5 h 47 min
